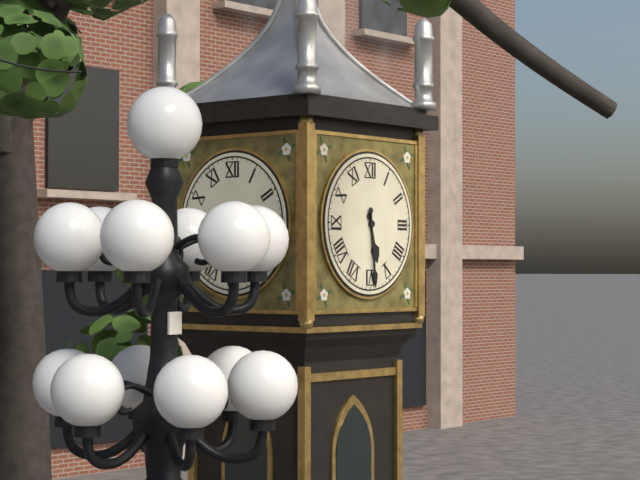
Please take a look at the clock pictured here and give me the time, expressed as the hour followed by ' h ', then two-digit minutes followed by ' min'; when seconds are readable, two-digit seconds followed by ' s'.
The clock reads 5 h 29 min
